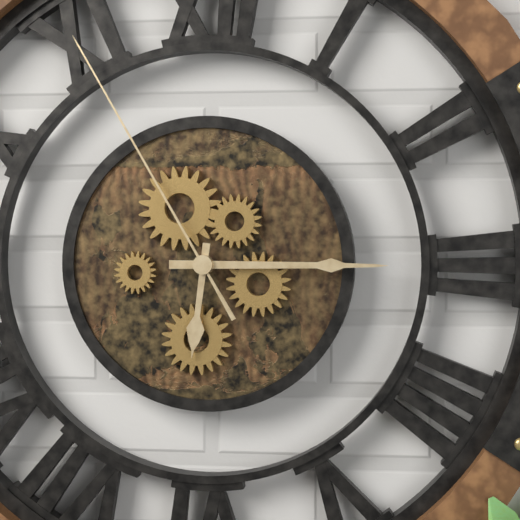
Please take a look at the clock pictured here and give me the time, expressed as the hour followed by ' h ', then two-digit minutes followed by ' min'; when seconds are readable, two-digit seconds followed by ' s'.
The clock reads 6 h 15 min 55 s
